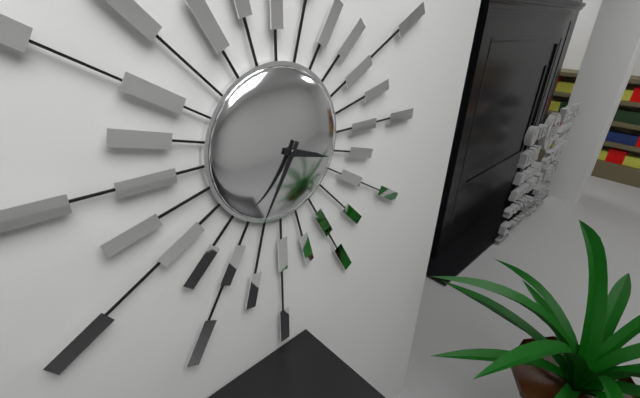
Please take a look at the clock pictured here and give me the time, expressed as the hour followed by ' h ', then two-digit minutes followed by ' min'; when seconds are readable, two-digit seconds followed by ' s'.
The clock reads 3 h 35 min
